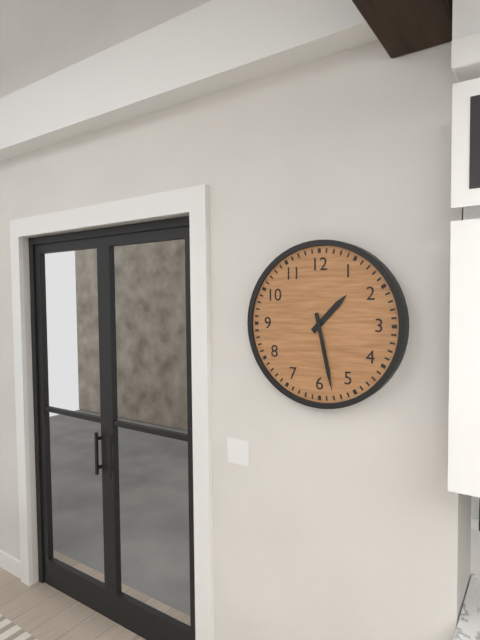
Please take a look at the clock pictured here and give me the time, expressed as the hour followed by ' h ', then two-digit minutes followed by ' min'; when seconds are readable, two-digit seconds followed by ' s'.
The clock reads 1 h 28 min
